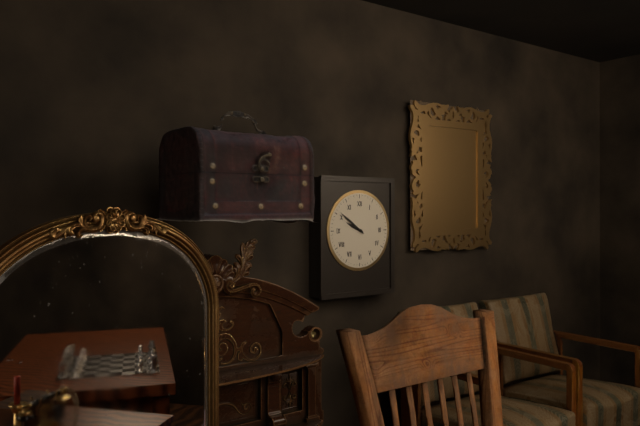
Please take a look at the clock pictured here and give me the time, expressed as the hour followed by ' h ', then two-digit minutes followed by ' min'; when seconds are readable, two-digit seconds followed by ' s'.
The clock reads 9 h 51 min
